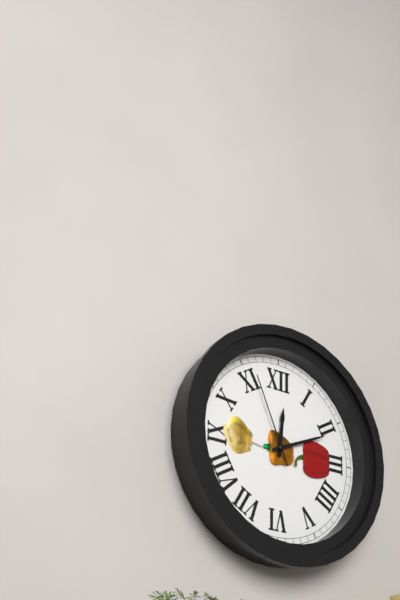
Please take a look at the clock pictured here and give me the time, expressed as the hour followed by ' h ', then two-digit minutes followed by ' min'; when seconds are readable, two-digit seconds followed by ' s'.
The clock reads 12 h 11 min 56 s
